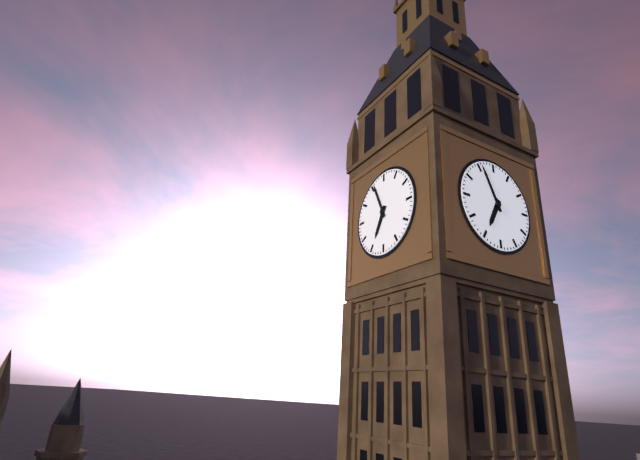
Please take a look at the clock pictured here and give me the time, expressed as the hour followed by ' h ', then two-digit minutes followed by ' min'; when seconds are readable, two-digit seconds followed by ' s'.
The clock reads 6 h 56 min
